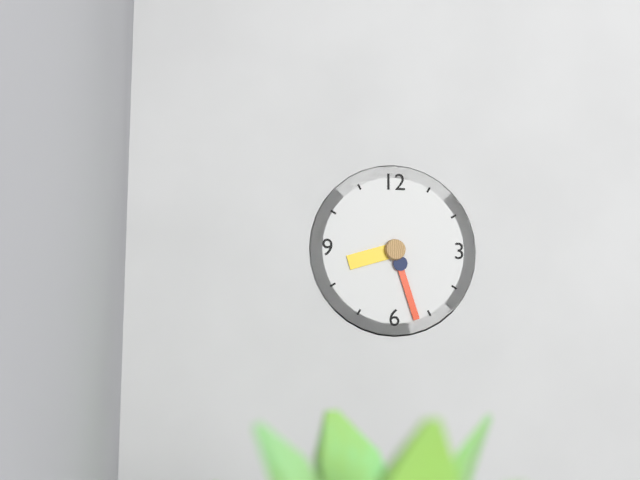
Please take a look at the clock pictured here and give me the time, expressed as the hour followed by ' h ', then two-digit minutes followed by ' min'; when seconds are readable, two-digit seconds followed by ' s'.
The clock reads 8 h 27 min
